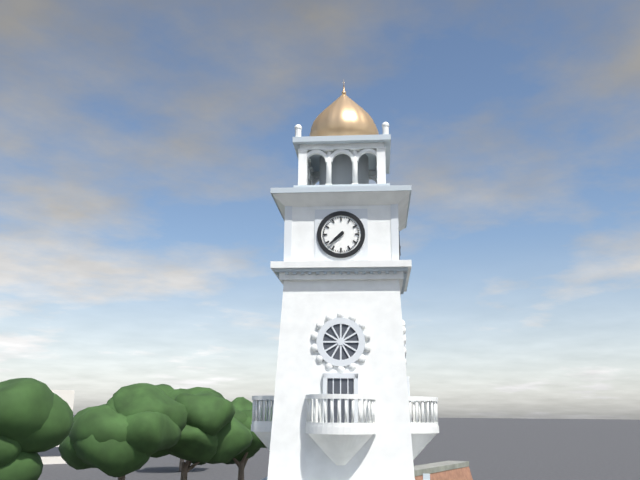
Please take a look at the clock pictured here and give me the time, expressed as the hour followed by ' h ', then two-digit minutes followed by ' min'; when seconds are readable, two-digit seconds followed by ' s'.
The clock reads 7 h 38 min
